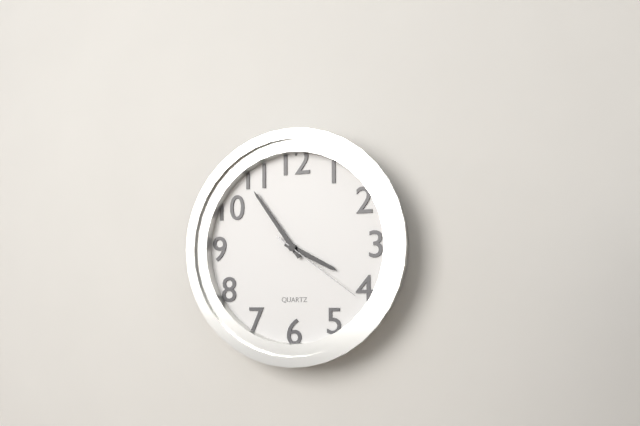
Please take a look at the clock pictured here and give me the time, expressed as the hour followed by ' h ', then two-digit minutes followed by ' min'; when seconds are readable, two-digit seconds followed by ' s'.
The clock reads 3 h 54 min 21 s
